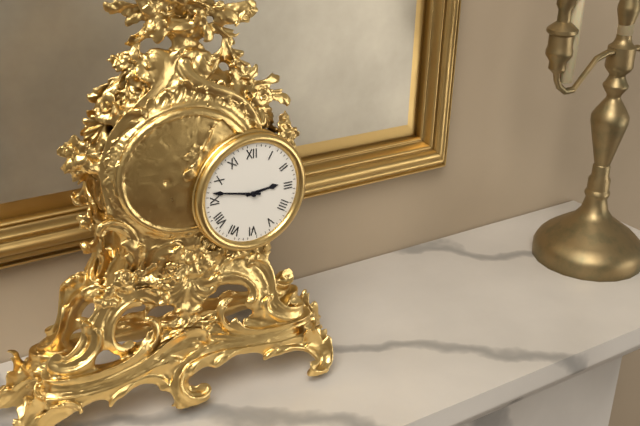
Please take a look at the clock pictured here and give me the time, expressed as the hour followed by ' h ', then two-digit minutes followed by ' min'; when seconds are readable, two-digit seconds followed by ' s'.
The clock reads 2 h 47 min
